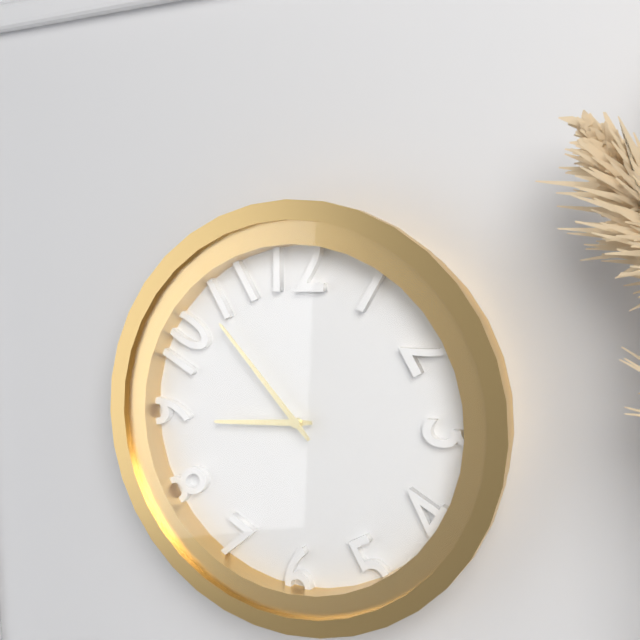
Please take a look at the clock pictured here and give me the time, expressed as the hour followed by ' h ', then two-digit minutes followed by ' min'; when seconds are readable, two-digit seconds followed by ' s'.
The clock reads 8 h 53 min
